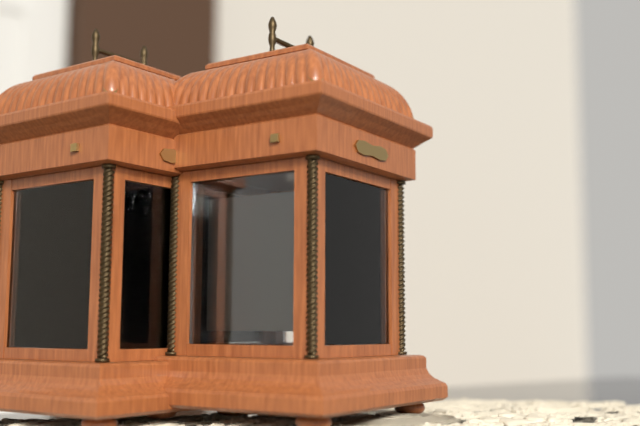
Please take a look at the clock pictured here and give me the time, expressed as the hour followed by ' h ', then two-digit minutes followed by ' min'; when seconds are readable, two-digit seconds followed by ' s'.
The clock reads 4 h 32 min
